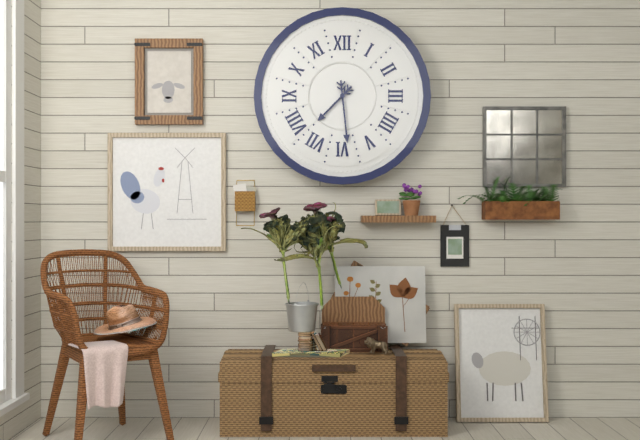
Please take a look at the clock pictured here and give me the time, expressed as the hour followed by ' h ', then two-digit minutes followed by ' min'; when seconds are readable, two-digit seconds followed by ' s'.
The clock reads 7 h 29 min
